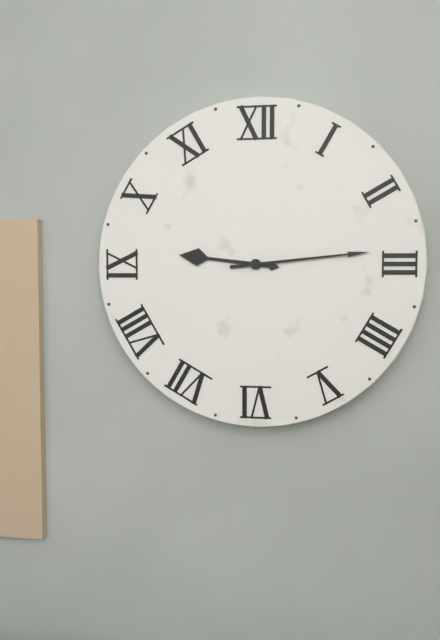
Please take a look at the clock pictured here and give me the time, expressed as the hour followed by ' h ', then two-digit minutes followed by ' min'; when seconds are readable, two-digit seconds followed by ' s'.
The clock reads 9 h 14 min
